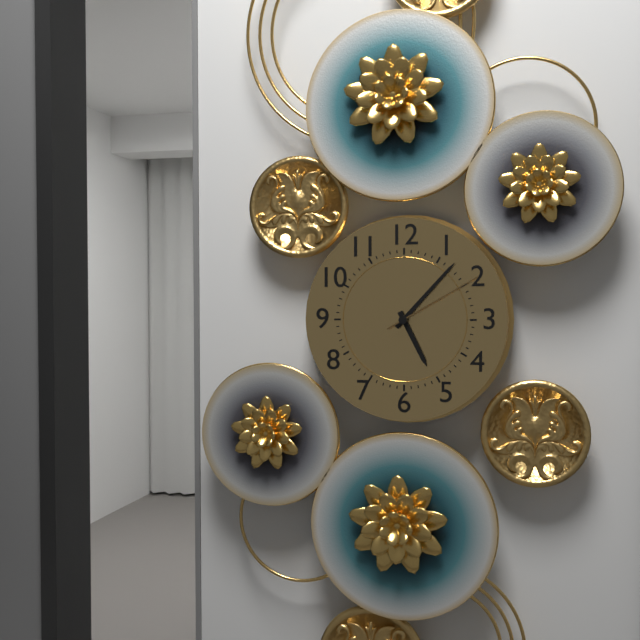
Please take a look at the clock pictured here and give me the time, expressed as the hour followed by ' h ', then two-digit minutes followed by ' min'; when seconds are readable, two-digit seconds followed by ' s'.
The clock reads 5 h 07 min 10 s
